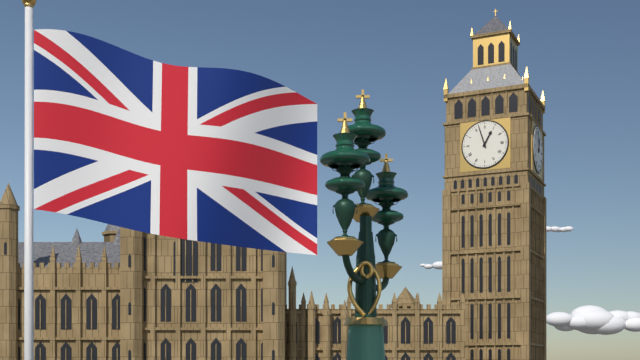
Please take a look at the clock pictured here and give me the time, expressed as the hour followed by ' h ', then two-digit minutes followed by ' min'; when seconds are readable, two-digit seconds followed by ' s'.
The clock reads 12 h 57 min
